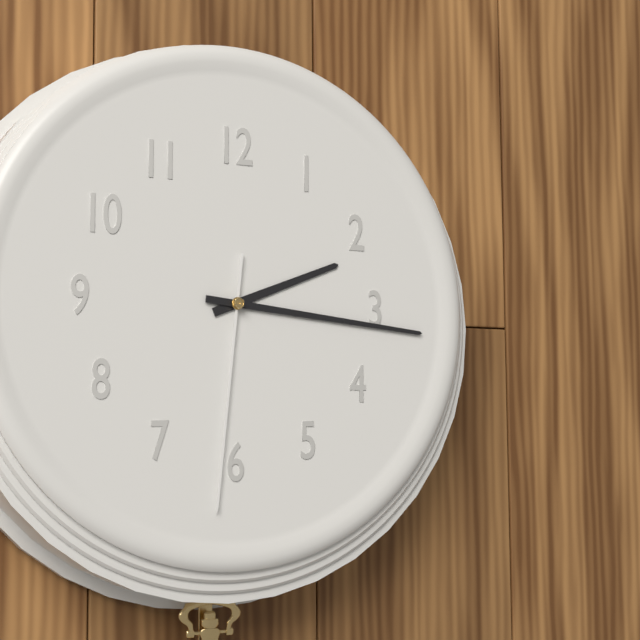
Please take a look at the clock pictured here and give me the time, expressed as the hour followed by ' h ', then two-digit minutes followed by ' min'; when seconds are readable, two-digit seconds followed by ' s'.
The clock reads 2 h 16 min 31 s
